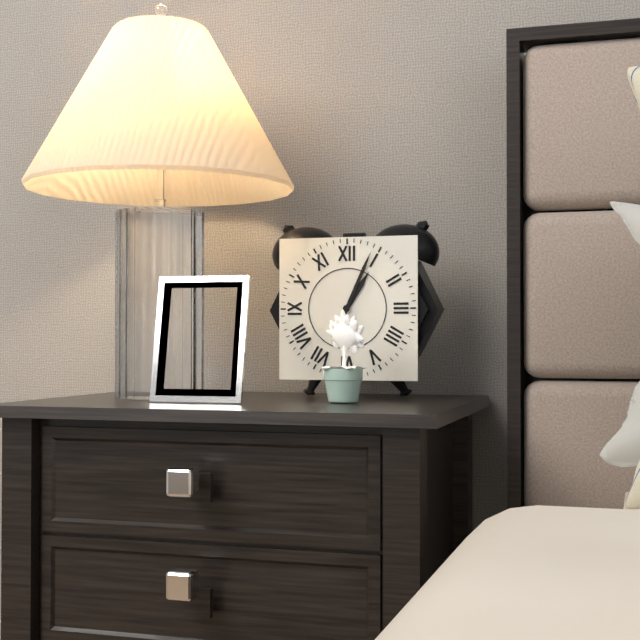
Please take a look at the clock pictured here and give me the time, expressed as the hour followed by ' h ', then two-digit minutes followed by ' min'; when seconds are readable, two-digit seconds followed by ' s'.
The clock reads 1 h 04 min
